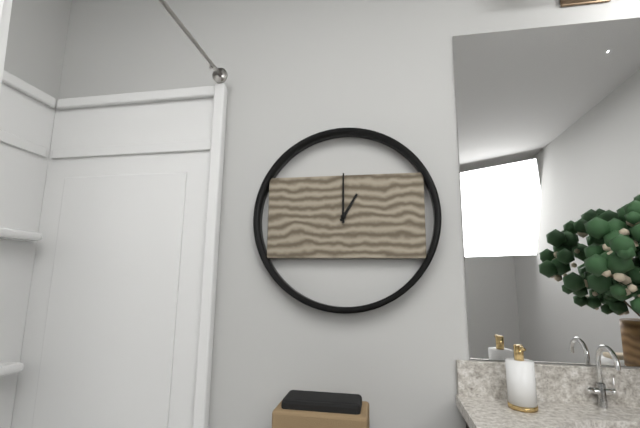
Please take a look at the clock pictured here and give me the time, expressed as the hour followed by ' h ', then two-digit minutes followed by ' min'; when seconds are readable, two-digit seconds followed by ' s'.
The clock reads 1 h 00 min
